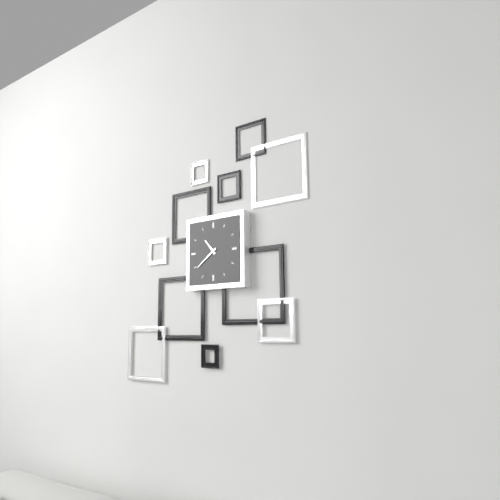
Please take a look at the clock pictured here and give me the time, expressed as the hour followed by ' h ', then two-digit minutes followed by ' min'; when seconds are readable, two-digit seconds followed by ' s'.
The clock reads 10 h 39 min
